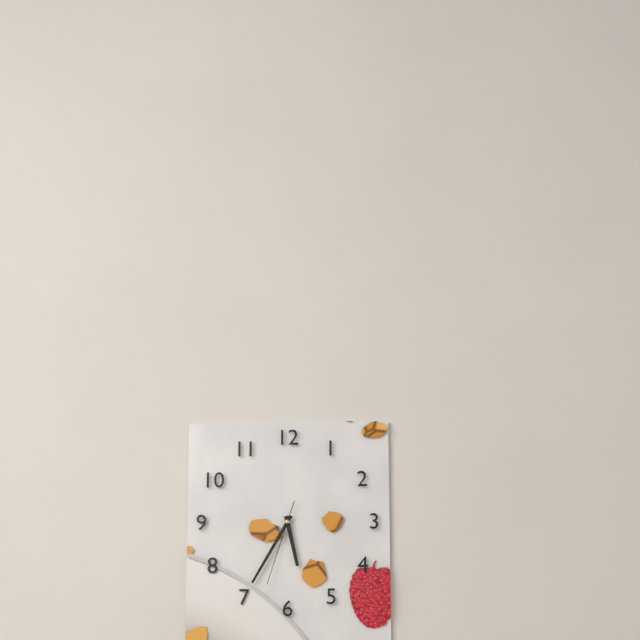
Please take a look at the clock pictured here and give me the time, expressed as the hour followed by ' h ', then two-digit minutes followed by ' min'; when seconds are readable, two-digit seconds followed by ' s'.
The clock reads 5 h 35 min 33 s
